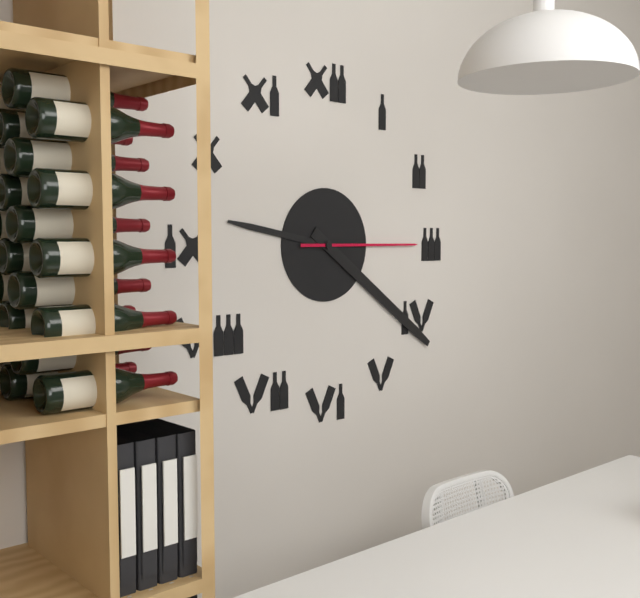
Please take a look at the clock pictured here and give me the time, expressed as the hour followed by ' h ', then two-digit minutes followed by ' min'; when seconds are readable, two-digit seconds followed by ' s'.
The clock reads 9 h 21 min 15 s
